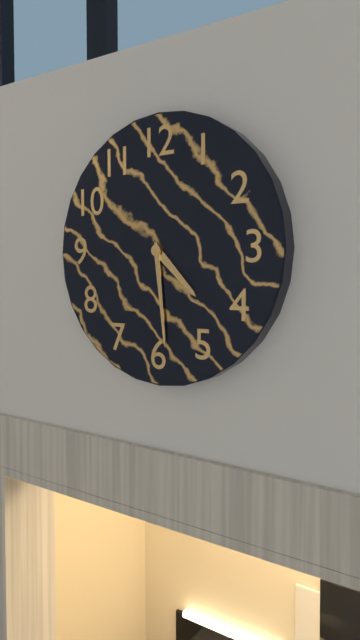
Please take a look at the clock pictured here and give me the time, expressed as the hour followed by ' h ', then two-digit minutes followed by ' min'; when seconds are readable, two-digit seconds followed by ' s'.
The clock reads 4 h 29 min
